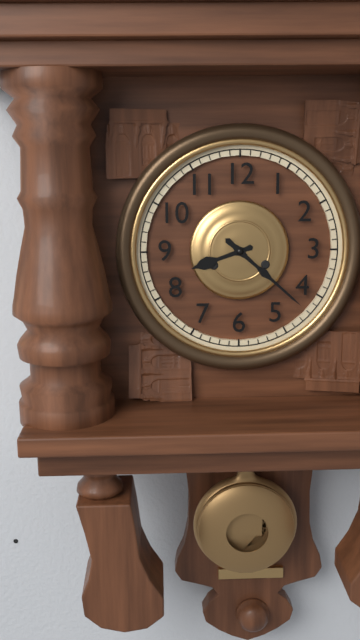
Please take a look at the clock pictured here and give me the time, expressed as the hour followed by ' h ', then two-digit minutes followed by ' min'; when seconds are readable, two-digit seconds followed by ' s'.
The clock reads 8 h 22 min
